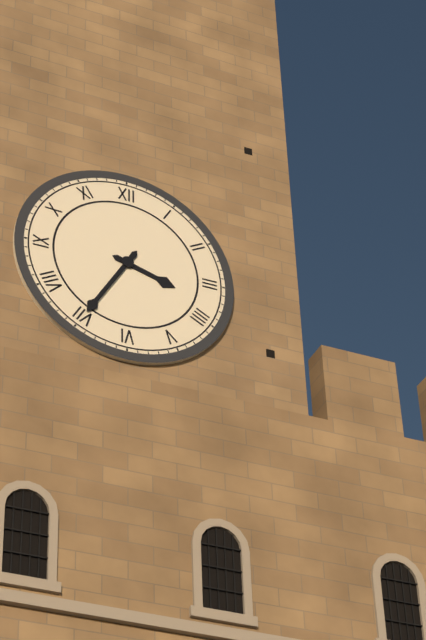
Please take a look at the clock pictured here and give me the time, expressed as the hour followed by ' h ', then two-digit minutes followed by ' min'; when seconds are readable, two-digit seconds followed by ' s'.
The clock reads 3 h 35 min
